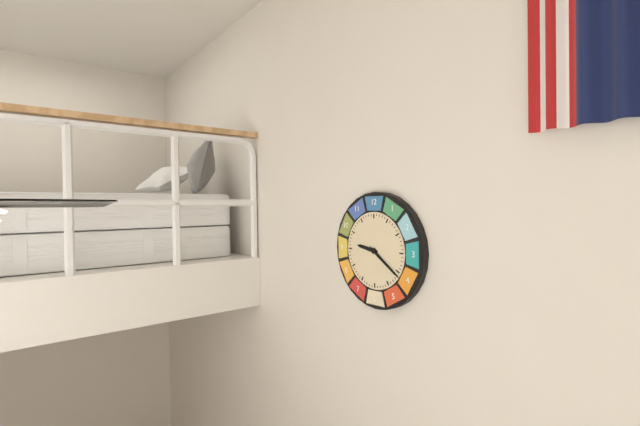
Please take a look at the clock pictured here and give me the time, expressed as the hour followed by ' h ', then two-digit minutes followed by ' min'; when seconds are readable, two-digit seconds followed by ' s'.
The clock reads 9 h 21 min
